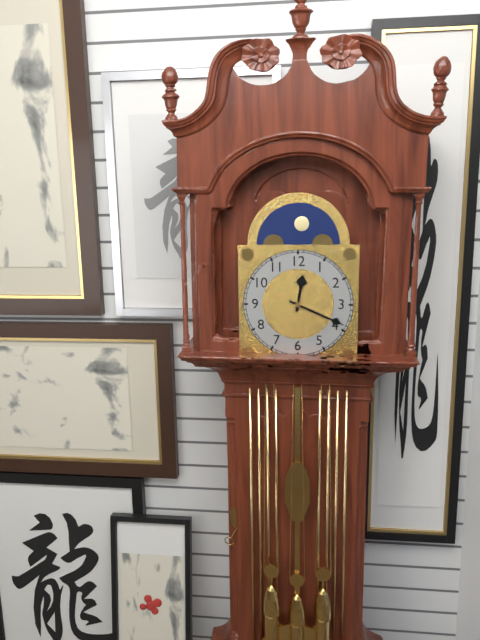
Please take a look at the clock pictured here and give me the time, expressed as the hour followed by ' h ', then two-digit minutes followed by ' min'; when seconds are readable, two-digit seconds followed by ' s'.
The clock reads 12 h 19 min
